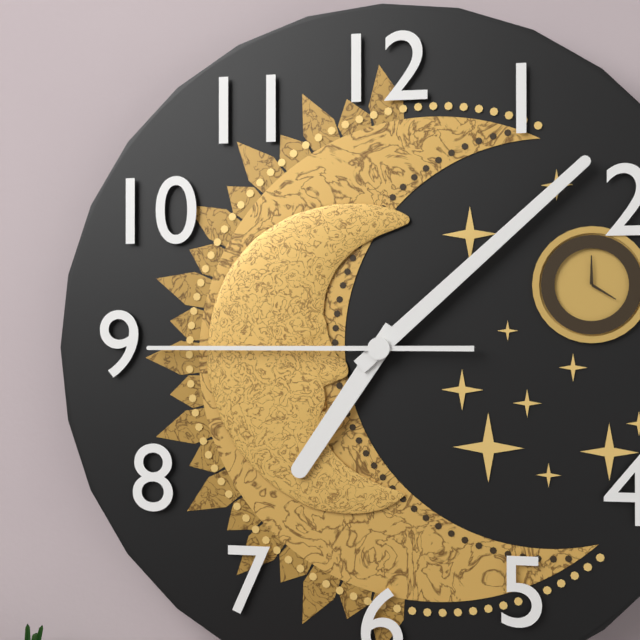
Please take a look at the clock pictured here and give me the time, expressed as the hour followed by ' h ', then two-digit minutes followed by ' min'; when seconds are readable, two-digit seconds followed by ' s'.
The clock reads 7 h 08 min 45 s
